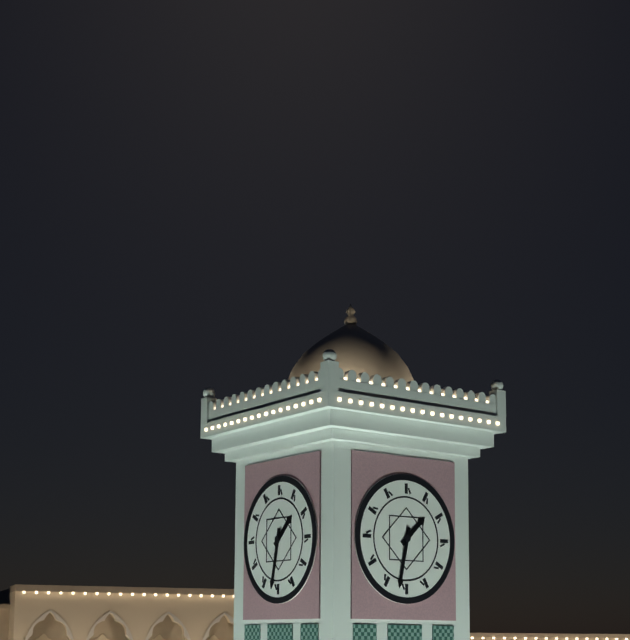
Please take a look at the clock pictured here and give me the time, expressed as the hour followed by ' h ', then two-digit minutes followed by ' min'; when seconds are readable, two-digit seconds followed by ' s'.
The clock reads 1 h 32 min
